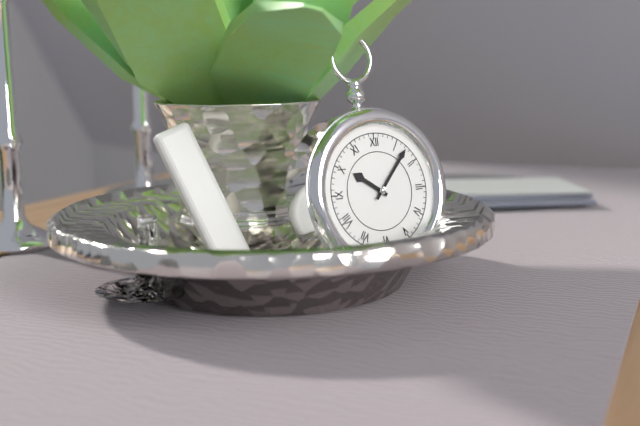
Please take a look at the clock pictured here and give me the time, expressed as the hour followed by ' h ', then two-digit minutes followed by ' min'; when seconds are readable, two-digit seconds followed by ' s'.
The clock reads 10 h 07 min
